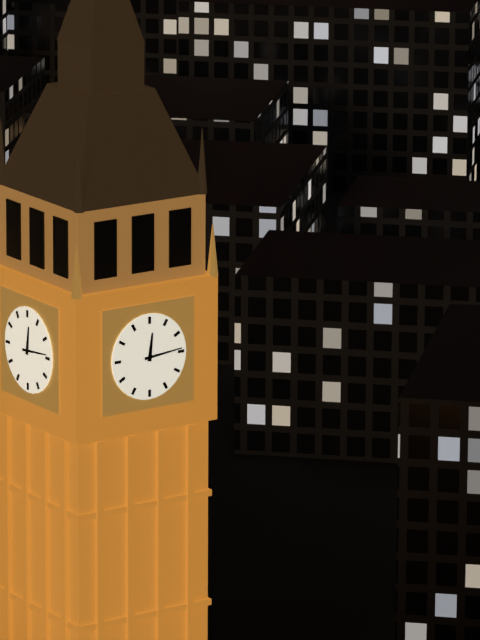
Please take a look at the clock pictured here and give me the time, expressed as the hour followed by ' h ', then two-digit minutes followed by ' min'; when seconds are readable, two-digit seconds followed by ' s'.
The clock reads 12 h 14 min
